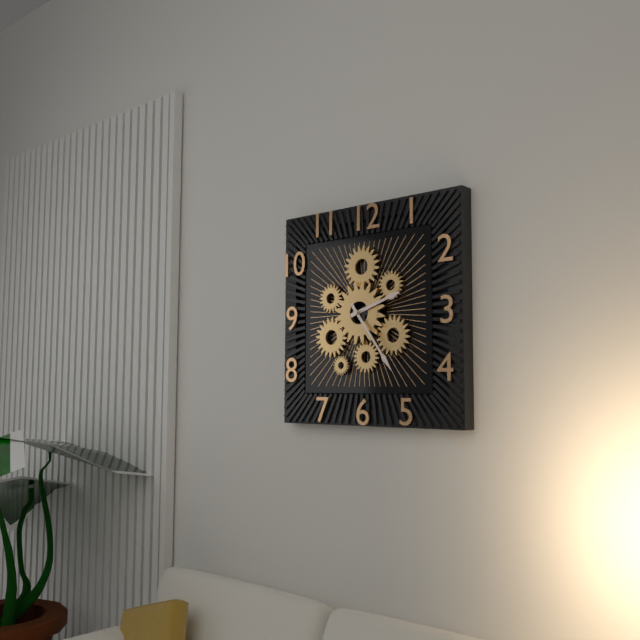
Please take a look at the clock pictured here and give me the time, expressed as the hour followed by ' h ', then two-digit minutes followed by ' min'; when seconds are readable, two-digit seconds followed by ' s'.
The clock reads 2 h 24 min
